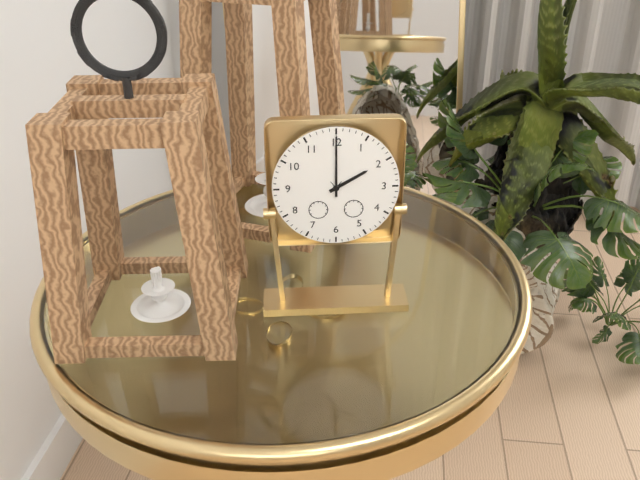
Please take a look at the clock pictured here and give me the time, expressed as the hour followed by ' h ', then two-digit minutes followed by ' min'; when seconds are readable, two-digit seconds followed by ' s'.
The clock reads 2 h 00 min
